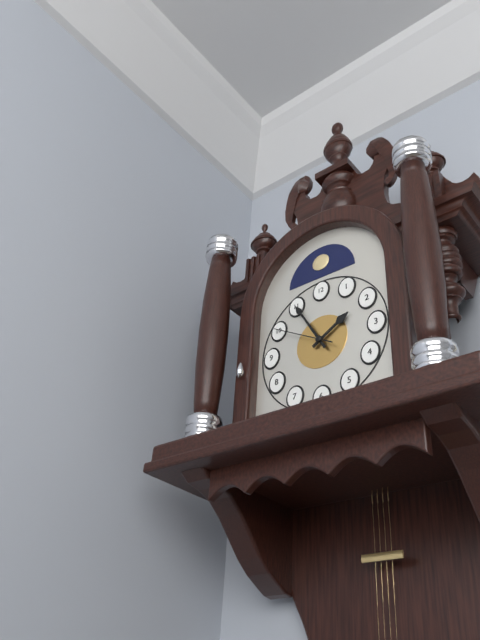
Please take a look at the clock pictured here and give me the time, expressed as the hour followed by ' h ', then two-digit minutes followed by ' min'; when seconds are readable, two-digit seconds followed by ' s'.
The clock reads 1 h 55 min 50 s
